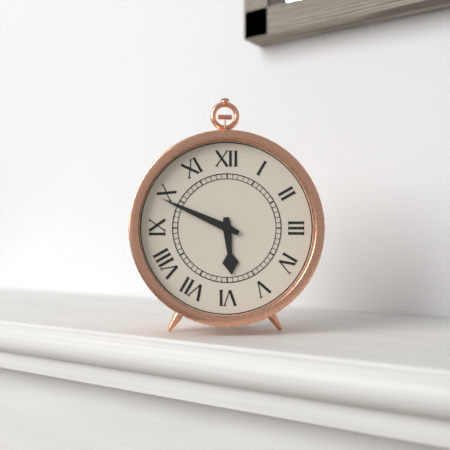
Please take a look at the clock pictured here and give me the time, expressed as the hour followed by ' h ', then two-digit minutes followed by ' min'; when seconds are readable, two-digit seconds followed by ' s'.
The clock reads 5 h 49 min
